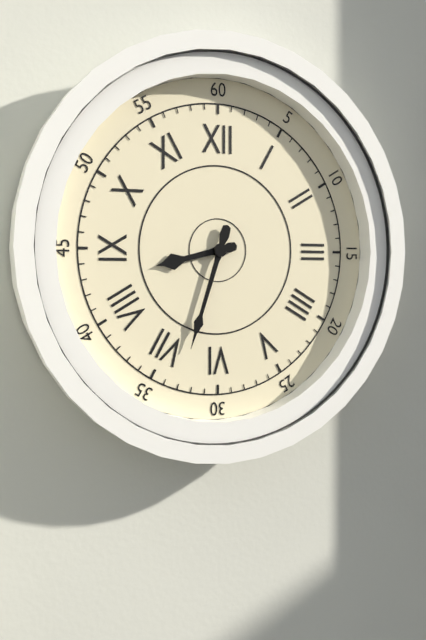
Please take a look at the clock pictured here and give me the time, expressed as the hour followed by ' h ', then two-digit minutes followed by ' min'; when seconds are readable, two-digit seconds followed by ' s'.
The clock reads 8 h 33 min
